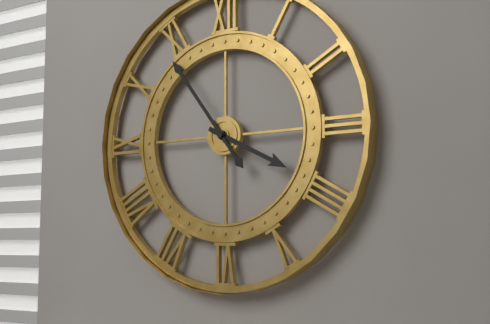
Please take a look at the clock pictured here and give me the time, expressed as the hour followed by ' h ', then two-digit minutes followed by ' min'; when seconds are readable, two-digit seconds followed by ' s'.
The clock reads 3 h 54 min
